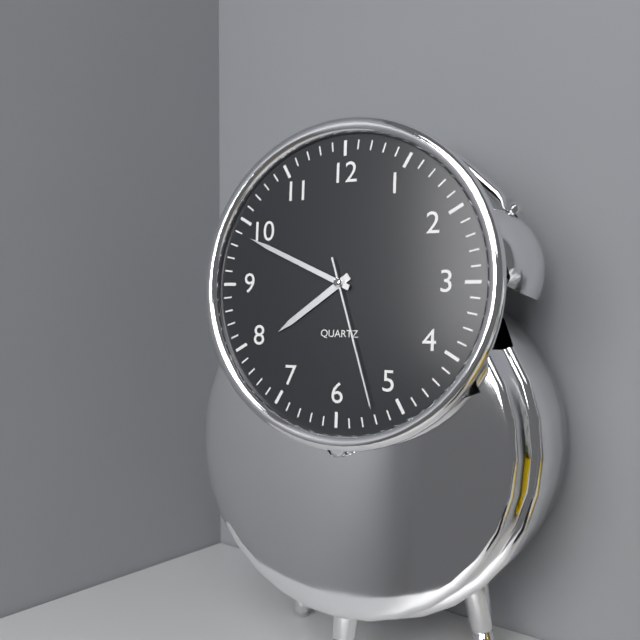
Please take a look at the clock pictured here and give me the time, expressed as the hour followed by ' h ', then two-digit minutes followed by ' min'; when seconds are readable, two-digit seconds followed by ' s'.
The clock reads 7 h 49 min 27 s
